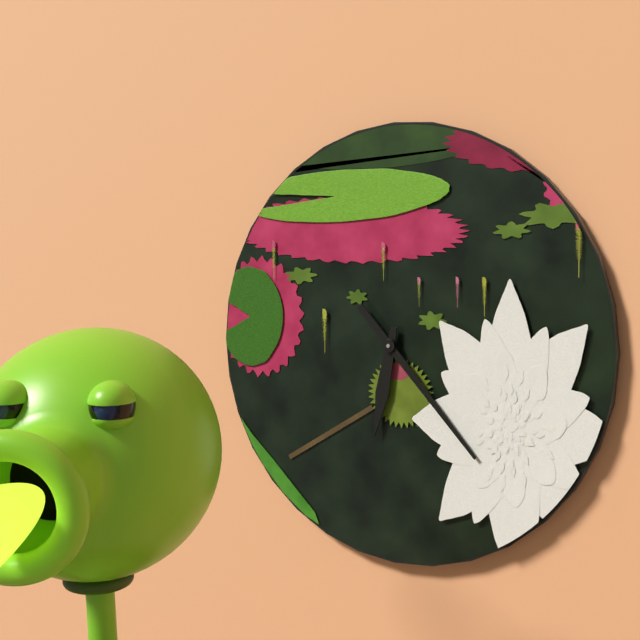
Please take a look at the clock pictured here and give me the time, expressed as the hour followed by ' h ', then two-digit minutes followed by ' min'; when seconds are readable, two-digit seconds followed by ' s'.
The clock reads 6 h 23 min
